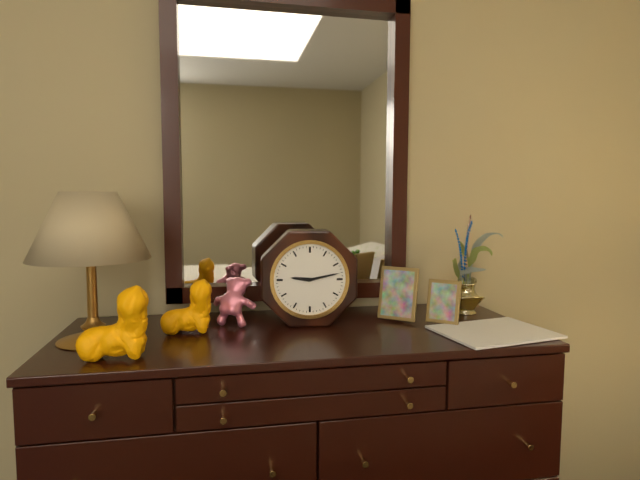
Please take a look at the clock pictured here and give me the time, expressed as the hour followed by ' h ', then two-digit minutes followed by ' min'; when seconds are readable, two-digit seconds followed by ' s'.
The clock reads 9 h 13 min
